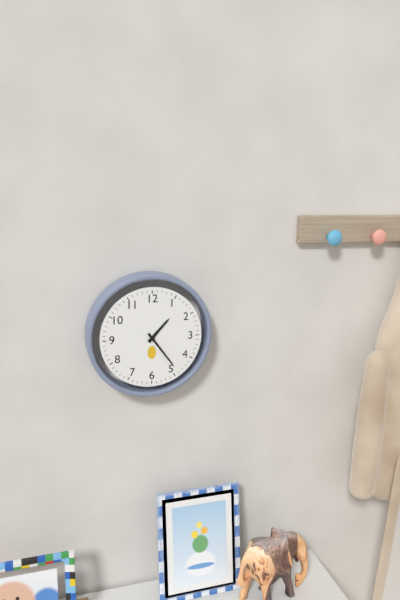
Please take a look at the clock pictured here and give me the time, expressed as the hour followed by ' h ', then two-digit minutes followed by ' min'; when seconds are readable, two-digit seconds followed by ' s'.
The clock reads 1 h 24 min
